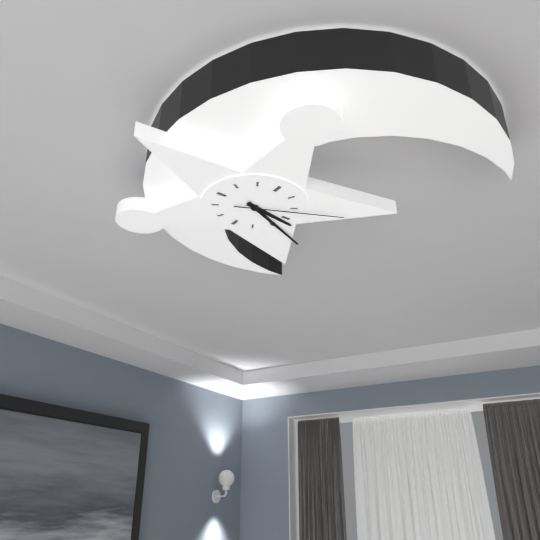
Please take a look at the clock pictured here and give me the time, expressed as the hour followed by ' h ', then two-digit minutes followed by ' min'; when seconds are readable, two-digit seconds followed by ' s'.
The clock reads 3 h 19 min 11 s
